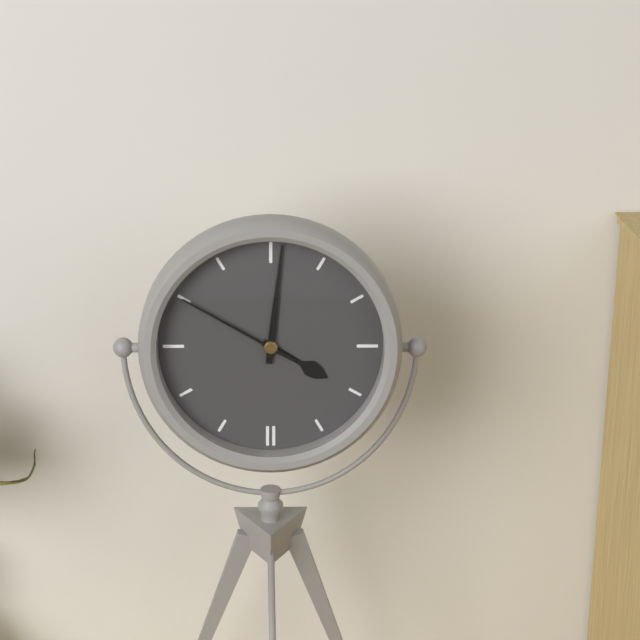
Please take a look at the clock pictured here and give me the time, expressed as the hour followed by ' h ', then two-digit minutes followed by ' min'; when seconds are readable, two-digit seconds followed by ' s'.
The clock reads 4 h 01 min 50 s
